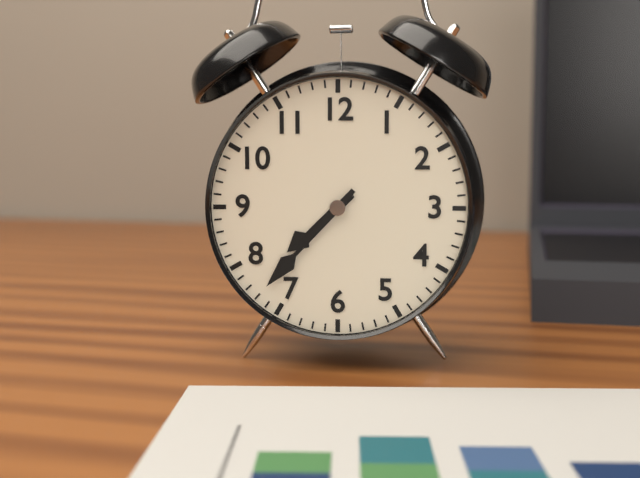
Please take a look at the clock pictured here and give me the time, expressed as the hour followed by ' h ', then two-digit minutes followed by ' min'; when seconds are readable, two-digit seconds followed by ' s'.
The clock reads 7 h 37 min
